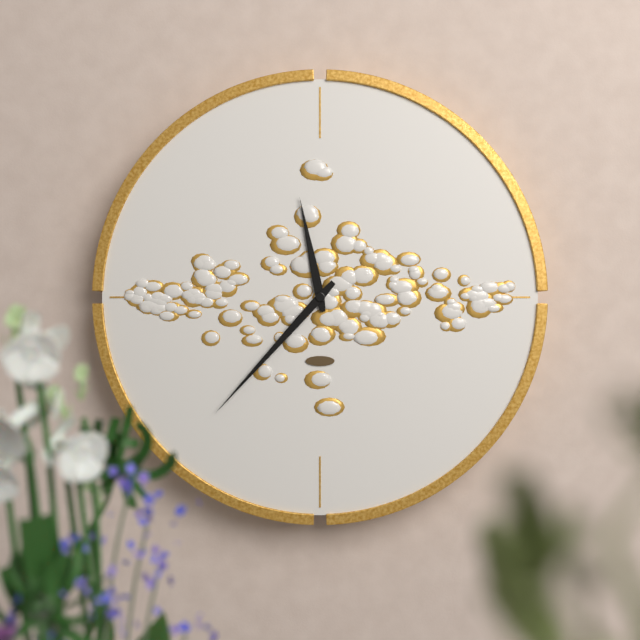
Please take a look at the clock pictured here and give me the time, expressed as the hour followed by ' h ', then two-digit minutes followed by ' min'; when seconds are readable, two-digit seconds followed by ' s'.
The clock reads 11 h 37 min
